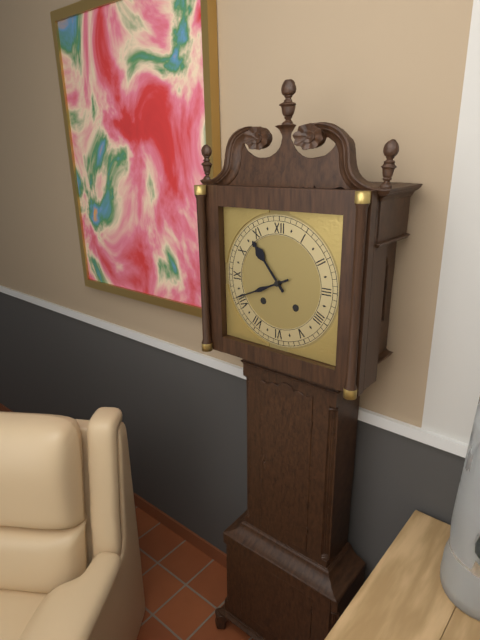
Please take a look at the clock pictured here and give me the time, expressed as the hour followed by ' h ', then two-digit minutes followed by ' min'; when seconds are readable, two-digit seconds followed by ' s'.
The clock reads 10 h 41 min
